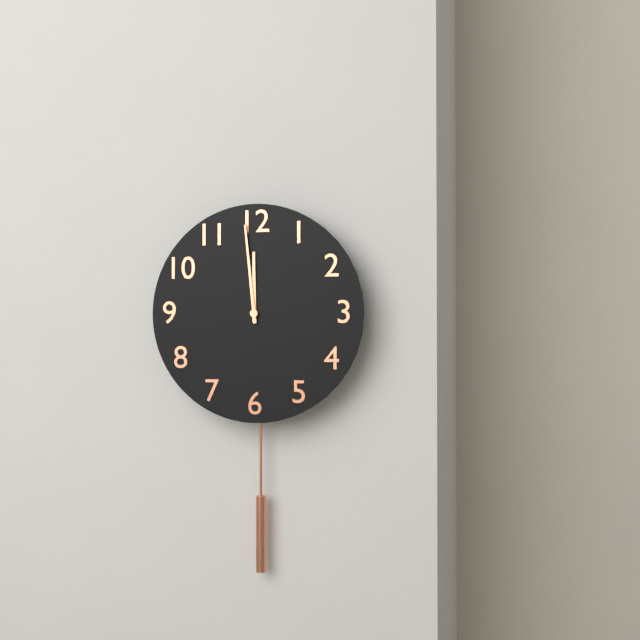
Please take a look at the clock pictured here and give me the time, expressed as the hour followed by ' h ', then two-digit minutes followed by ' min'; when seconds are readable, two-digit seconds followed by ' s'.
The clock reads 11 h 59 min
